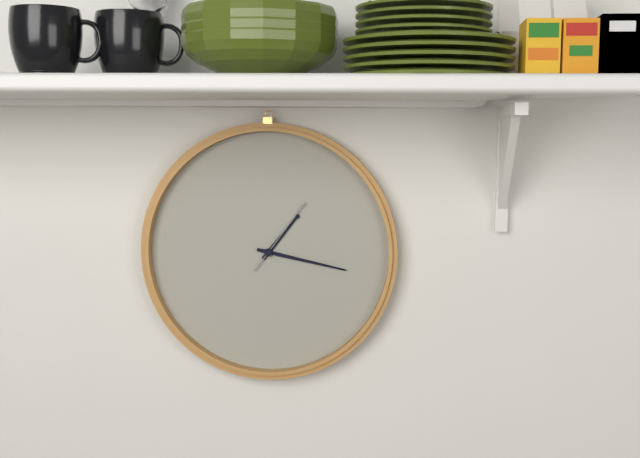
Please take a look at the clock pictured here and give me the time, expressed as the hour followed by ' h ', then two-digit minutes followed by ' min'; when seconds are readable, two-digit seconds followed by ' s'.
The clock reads 1 h 17 min 06 s
